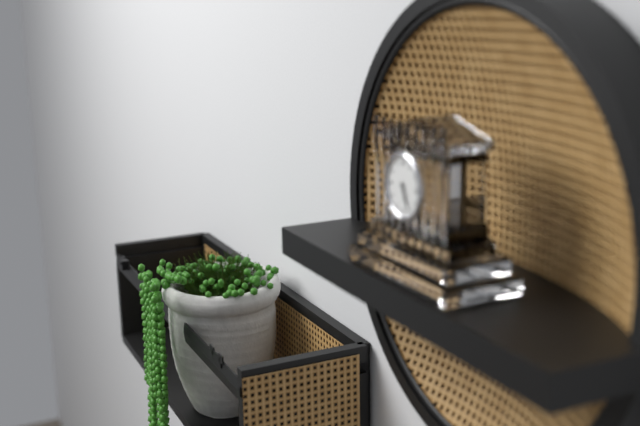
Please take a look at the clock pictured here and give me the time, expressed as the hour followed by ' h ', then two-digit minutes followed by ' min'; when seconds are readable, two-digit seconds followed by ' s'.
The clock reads 5 h 25 min
